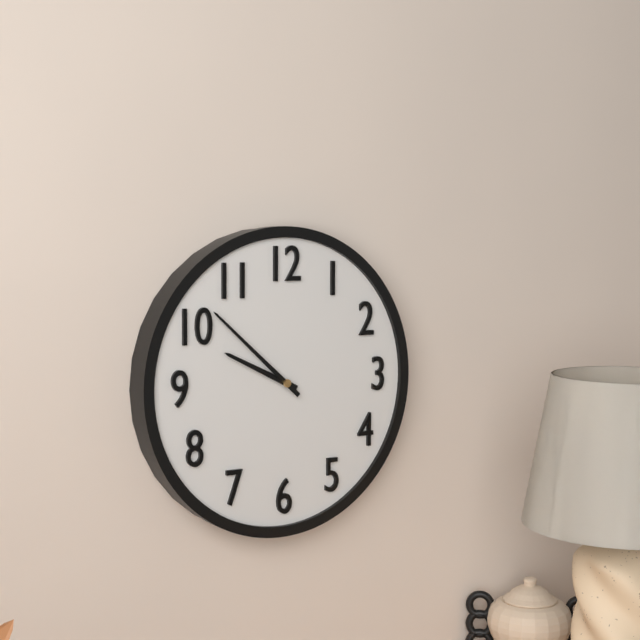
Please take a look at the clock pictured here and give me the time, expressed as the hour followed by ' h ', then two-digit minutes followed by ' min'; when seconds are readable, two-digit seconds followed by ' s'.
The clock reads 9 h 52 min
